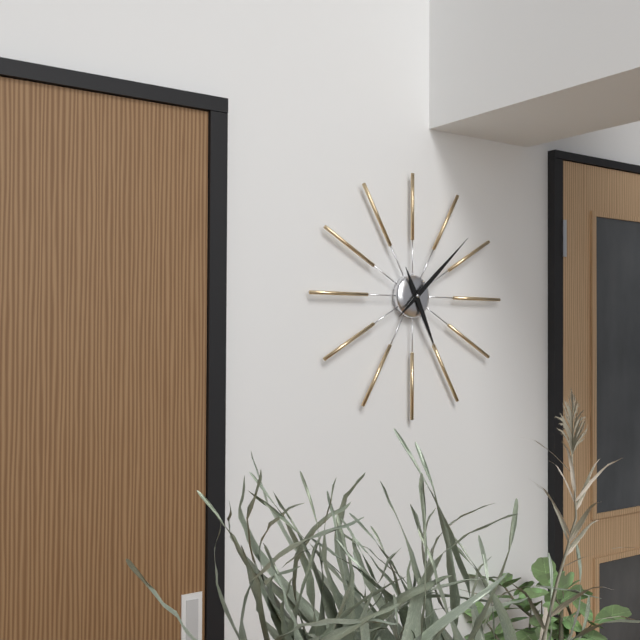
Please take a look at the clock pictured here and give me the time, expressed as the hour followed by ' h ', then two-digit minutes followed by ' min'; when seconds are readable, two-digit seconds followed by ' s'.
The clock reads 5 h 08 min
